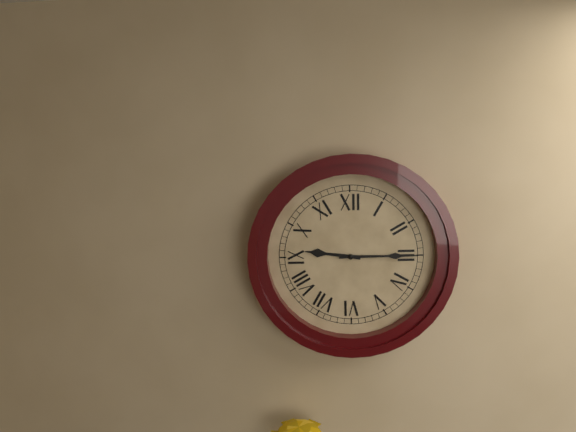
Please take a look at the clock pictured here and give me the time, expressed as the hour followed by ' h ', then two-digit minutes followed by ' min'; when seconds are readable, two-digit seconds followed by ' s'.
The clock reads 9 h 15 min
